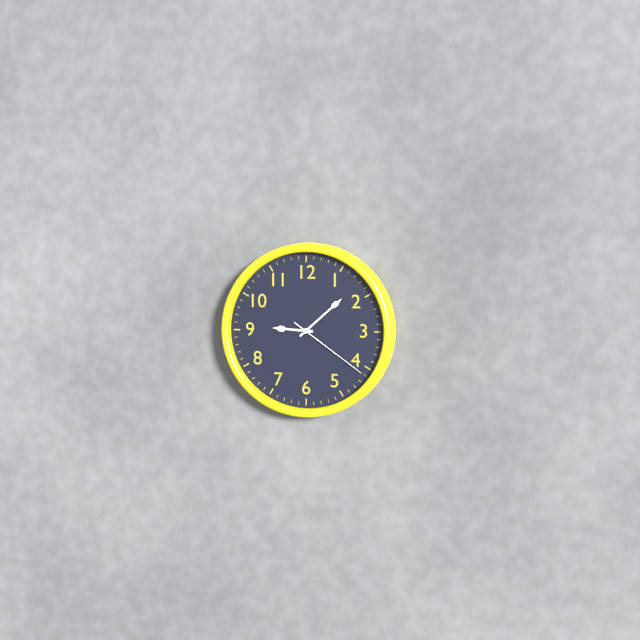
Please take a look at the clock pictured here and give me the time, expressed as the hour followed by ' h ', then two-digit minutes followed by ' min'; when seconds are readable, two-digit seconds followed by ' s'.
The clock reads 9 h 08 min 21 s
